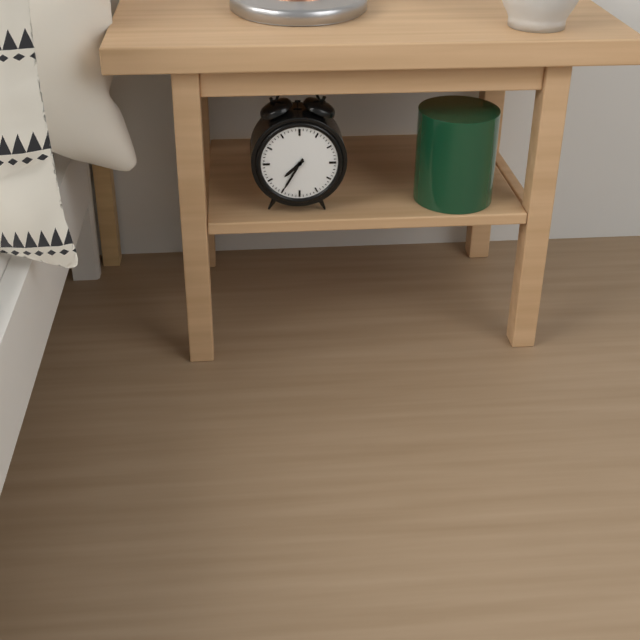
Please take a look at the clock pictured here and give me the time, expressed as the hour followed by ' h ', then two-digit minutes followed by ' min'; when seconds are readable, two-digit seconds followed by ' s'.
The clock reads 7 h 35 min
